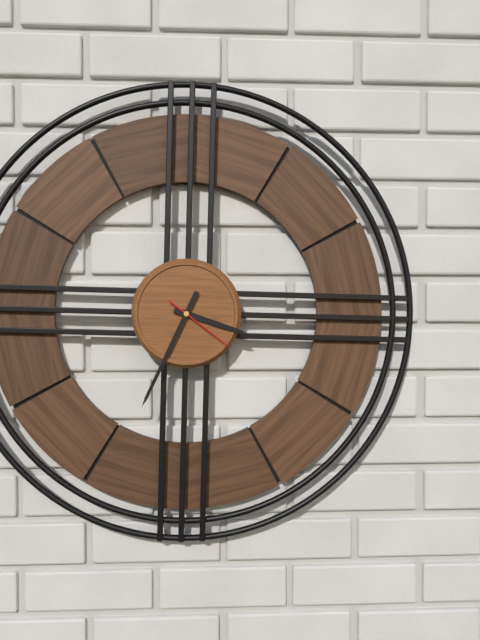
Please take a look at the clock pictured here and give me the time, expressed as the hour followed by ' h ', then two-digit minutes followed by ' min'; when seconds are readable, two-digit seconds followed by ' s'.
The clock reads 3 h 34 min 21 s
